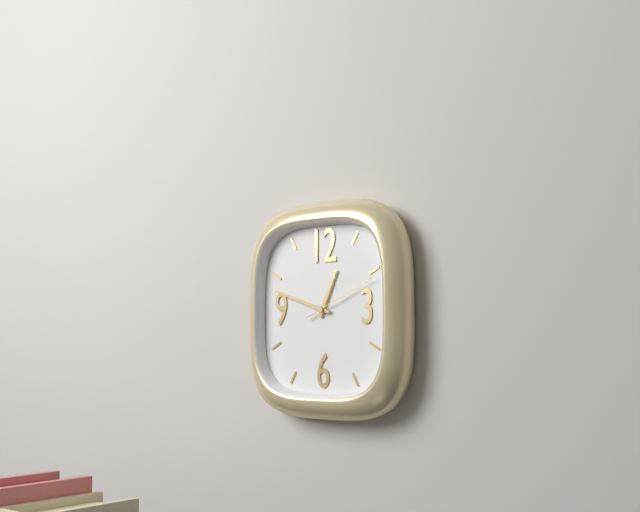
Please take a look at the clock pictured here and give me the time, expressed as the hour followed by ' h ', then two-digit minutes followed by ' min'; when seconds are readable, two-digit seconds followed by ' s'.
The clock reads 12 h 48 min 11 s
